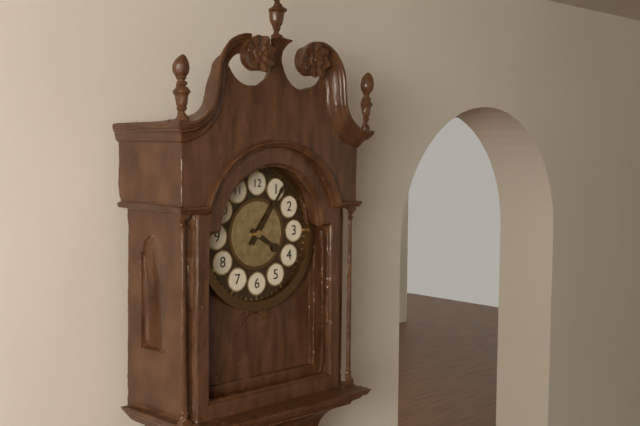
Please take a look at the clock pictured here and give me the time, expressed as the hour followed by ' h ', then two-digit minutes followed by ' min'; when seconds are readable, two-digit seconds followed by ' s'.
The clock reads 4 h 06 min
